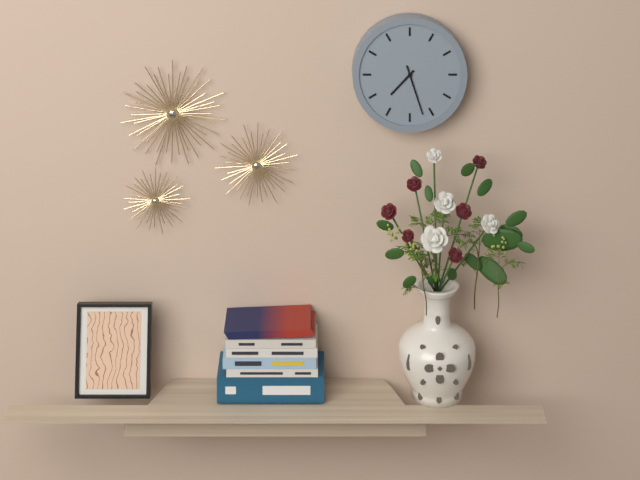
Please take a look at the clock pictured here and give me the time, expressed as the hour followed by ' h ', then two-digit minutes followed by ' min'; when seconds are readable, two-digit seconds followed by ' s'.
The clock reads 7 h 27 min
